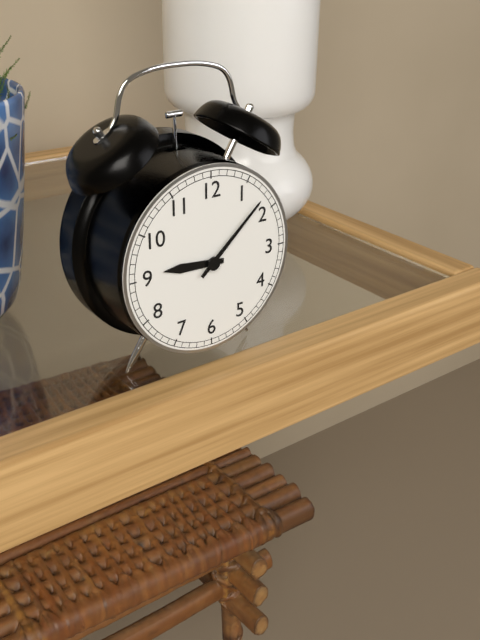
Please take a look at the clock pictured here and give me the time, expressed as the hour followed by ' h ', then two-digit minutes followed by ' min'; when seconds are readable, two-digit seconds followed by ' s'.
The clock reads 9 h 08 min
